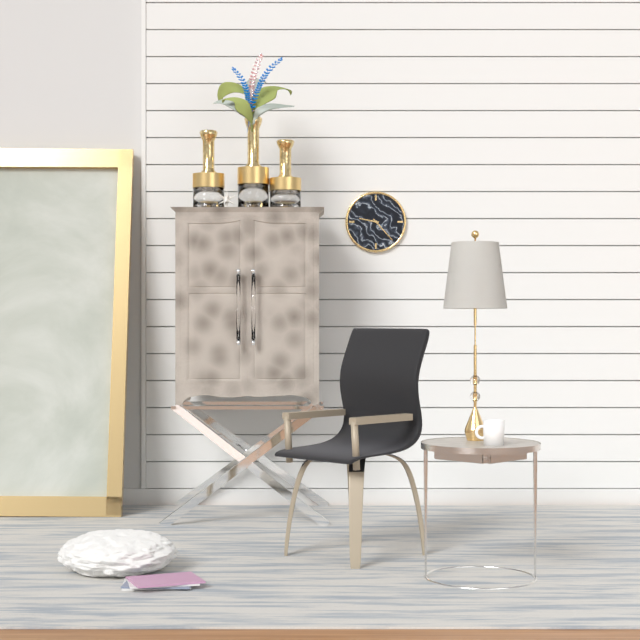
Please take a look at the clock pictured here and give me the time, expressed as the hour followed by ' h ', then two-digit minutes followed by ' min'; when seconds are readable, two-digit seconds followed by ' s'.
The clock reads 9 h 23 min
